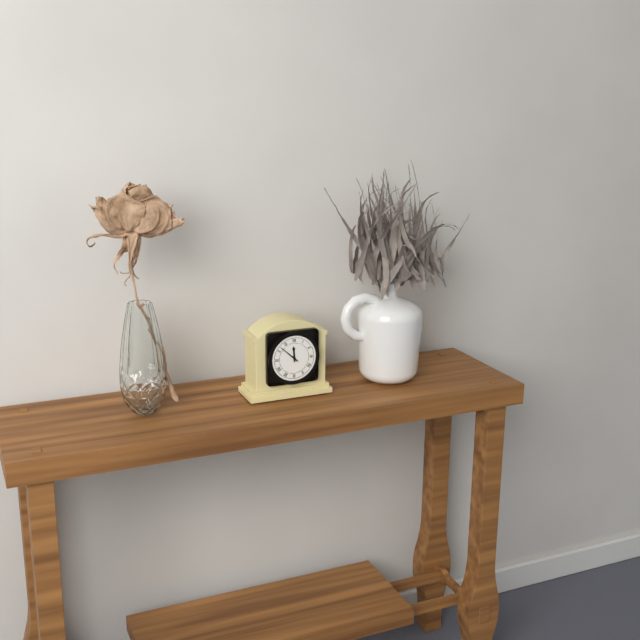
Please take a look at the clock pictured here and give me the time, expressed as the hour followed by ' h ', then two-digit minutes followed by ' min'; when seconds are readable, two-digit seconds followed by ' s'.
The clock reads 11 h 52 min
